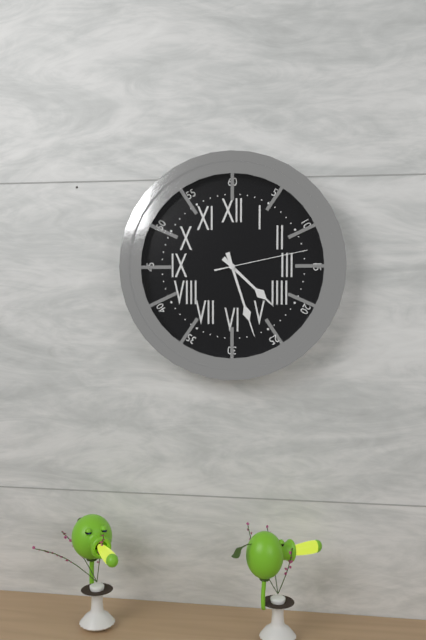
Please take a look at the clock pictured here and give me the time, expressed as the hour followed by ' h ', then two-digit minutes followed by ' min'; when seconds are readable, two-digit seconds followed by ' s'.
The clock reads 4 h 27 min 13 s
